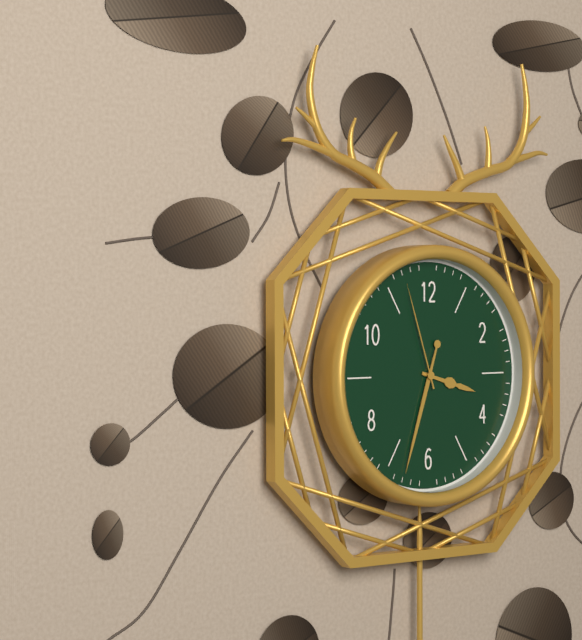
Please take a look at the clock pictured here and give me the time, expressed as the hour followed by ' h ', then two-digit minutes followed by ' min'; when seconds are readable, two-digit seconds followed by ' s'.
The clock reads 3 h 33 min 57 s
